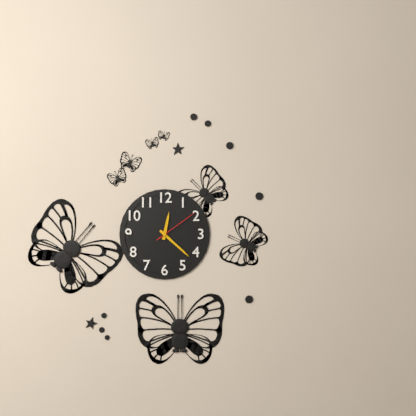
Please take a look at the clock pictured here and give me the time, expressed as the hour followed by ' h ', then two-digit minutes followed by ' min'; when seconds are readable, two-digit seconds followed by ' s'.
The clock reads 12 h 22 min
